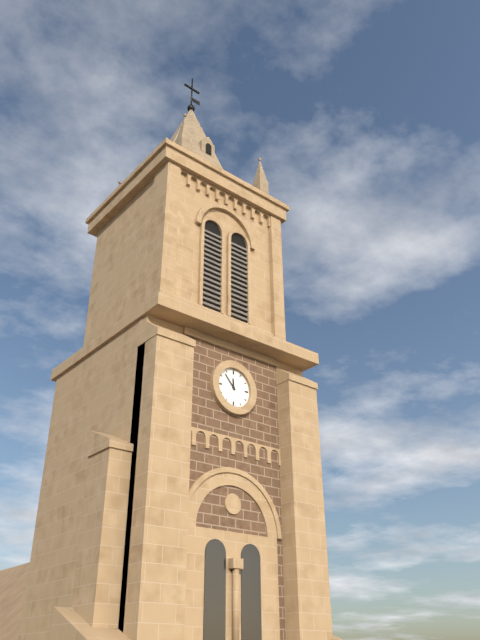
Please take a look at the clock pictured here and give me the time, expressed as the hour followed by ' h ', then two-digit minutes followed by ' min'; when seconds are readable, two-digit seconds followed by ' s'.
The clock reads 11 h 53 min
